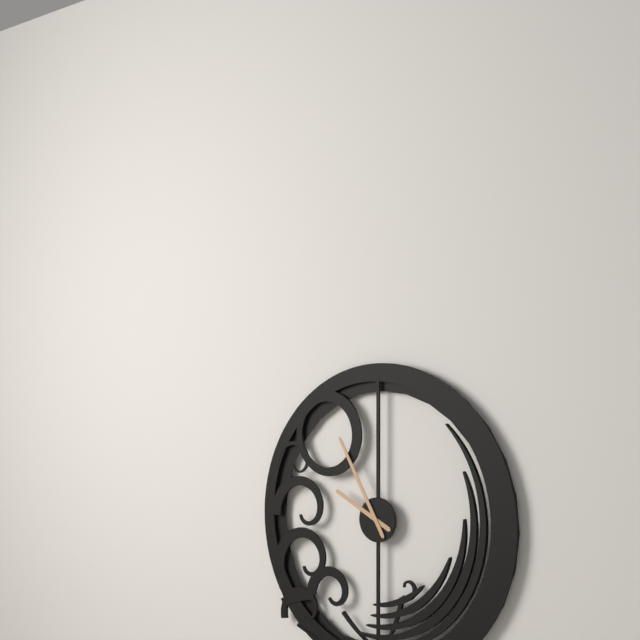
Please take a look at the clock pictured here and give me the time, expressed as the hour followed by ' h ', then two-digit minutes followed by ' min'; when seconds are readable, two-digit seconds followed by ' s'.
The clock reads 9 h 55 min
